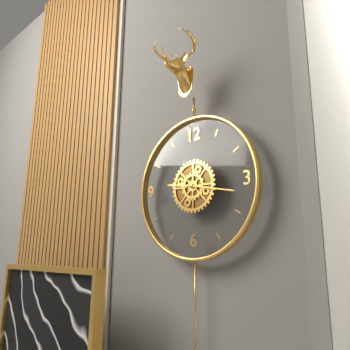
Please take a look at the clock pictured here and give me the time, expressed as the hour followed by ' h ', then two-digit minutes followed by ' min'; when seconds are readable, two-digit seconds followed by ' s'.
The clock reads 9 h 17 min
